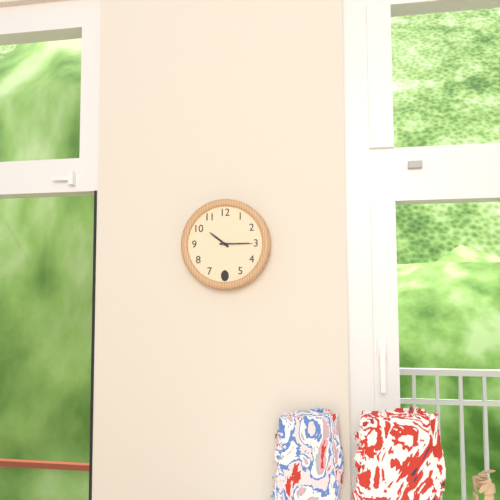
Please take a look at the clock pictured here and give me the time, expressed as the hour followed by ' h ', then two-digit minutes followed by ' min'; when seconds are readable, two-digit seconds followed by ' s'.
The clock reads 10 h 15 min
